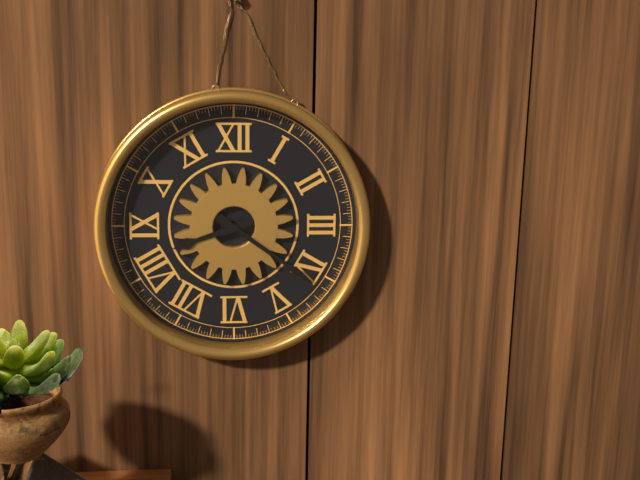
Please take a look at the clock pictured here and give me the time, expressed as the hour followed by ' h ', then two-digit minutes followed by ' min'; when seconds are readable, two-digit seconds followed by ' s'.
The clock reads 8 h 21 min
